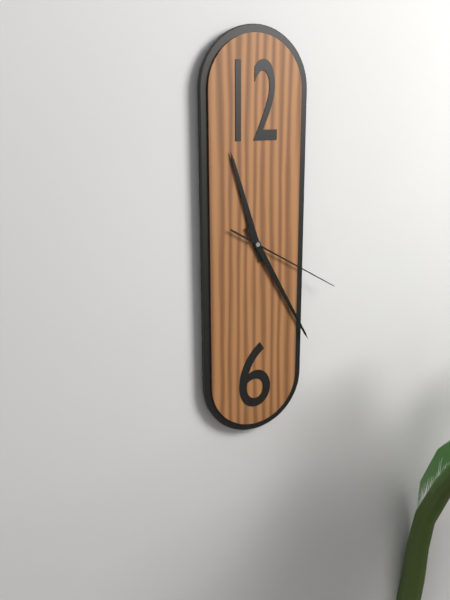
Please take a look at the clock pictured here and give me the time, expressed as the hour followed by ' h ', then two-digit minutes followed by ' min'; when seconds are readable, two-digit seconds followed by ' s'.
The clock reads 11 h 25 min 20 s
